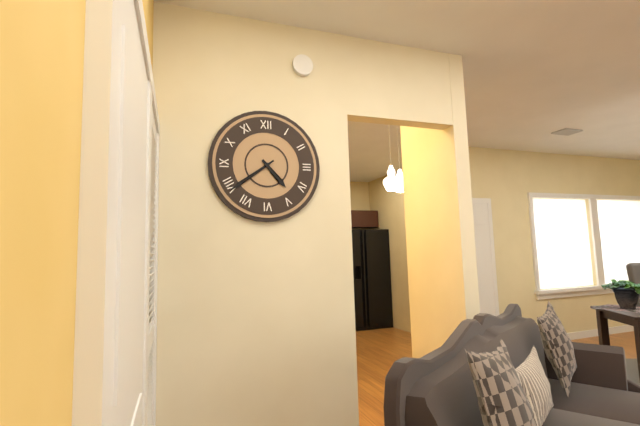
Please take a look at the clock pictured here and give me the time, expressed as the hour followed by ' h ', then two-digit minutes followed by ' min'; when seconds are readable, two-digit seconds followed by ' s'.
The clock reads 4 h 39 min
